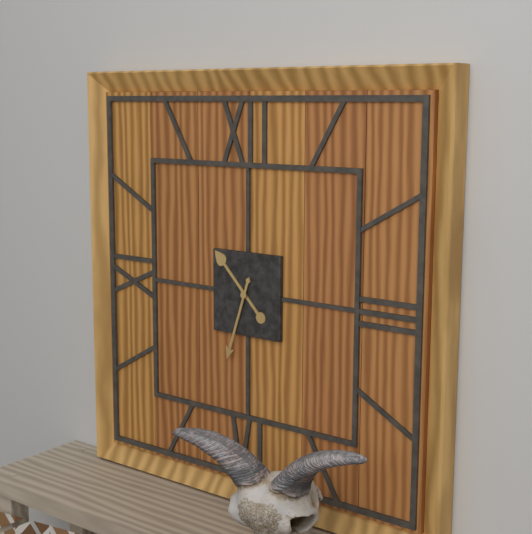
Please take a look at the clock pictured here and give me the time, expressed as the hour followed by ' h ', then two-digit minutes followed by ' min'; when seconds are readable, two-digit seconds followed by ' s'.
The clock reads 10 h 33 min
